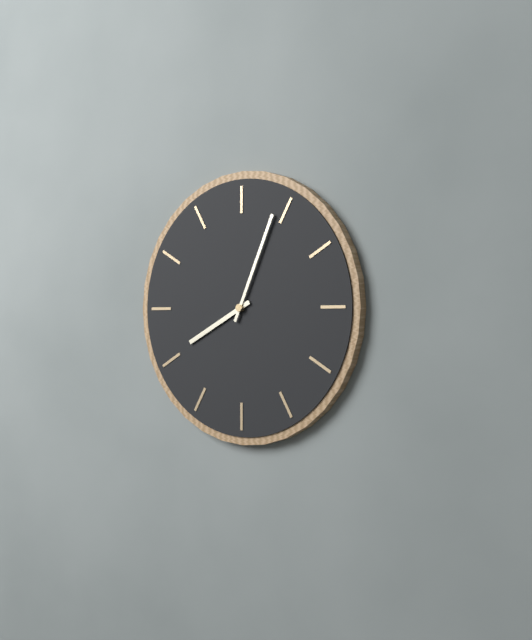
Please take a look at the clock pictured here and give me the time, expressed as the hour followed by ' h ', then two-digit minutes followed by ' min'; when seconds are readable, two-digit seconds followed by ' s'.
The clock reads 8 h 04 min
